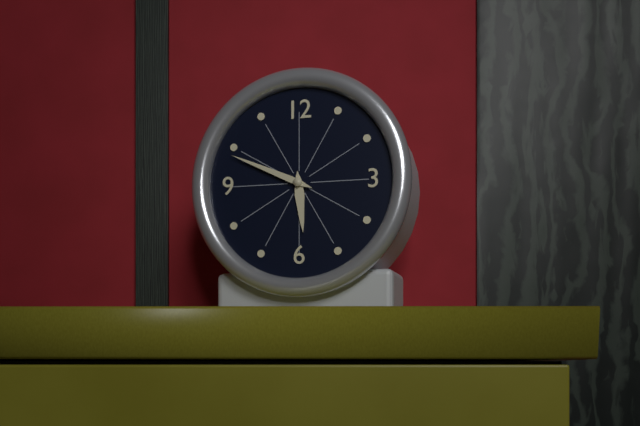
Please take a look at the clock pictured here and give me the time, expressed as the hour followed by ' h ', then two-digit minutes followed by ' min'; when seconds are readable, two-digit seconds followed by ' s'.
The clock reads 5 h 49 min
